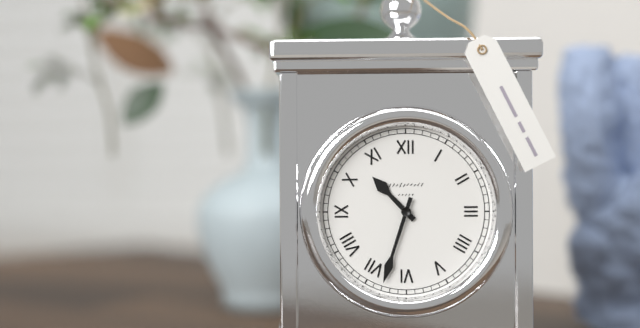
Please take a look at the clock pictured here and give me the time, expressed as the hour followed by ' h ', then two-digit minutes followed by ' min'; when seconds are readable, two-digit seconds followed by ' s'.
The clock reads 10 h 33 min
